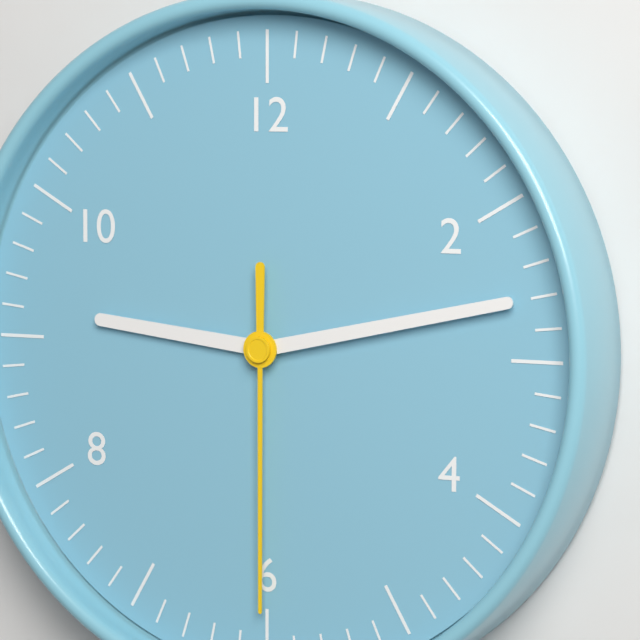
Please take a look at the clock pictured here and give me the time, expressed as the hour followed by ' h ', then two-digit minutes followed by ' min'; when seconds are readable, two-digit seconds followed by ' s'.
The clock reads 9 h 13 min 30 s
